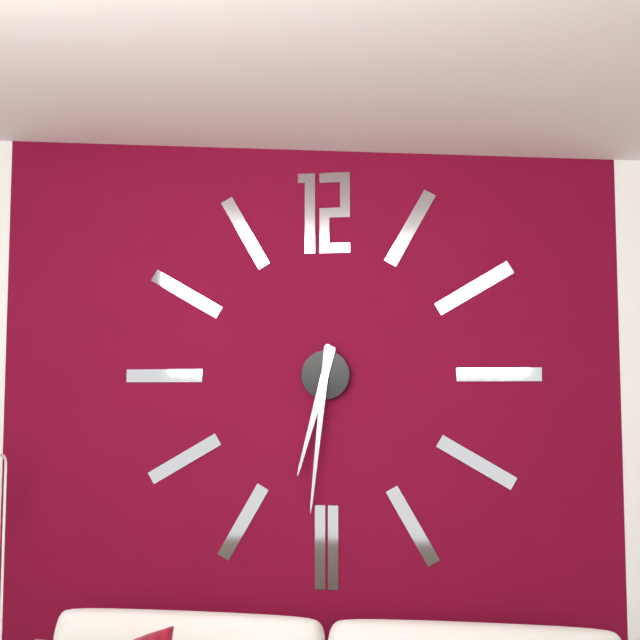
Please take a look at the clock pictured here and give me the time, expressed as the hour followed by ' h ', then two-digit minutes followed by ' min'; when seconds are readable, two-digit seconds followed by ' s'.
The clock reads 6 h 31 min
